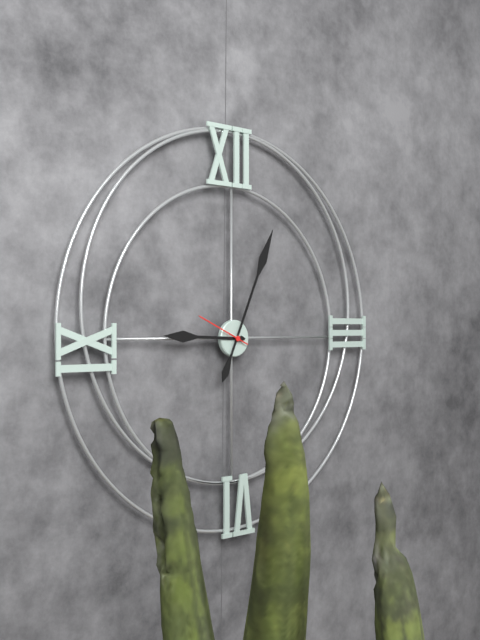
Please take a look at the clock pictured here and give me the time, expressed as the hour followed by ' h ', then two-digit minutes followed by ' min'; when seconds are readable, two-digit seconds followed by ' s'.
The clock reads 9 h 04 min 49 s
